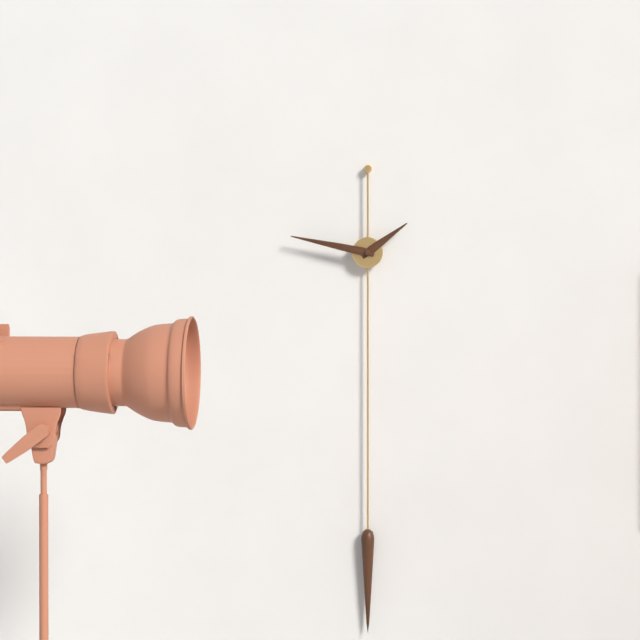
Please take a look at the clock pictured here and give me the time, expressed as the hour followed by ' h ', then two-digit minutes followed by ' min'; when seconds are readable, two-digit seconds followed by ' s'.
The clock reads 1 h 47 min
